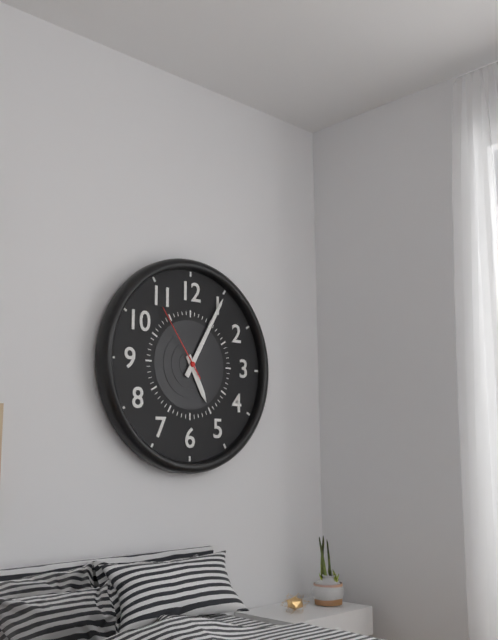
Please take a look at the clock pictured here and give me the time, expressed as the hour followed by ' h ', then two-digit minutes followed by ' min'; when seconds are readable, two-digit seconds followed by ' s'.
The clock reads 5 h 05 min 54 s
